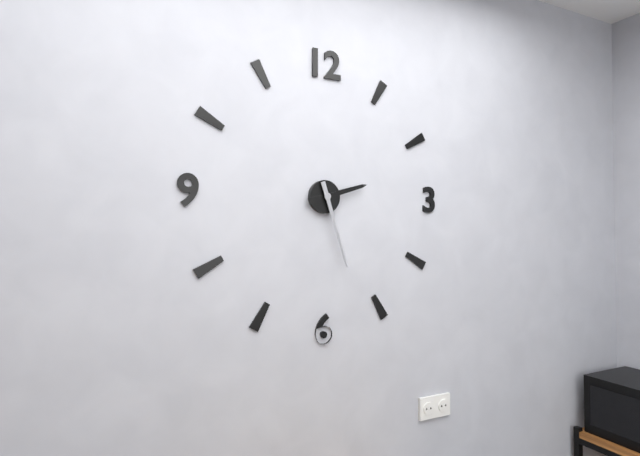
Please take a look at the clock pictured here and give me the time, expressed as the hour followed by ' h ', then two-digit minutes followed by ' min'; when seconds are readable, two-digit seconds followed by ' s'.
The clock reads 2 h 27 min
